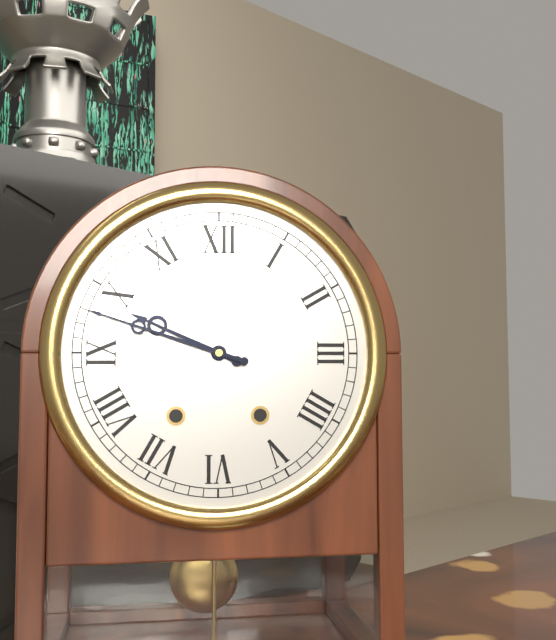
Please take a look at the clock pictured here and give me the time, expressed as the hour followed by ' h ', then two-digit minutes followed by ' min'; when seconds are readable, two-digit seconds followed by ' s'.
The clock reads 9 h 48 min
